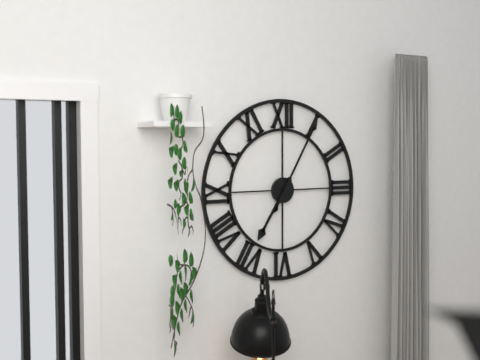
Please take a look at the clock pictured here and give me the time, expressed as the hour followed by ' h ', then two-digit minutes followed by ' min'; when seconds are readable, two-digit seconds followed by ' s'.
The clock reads 7 h 05 min
